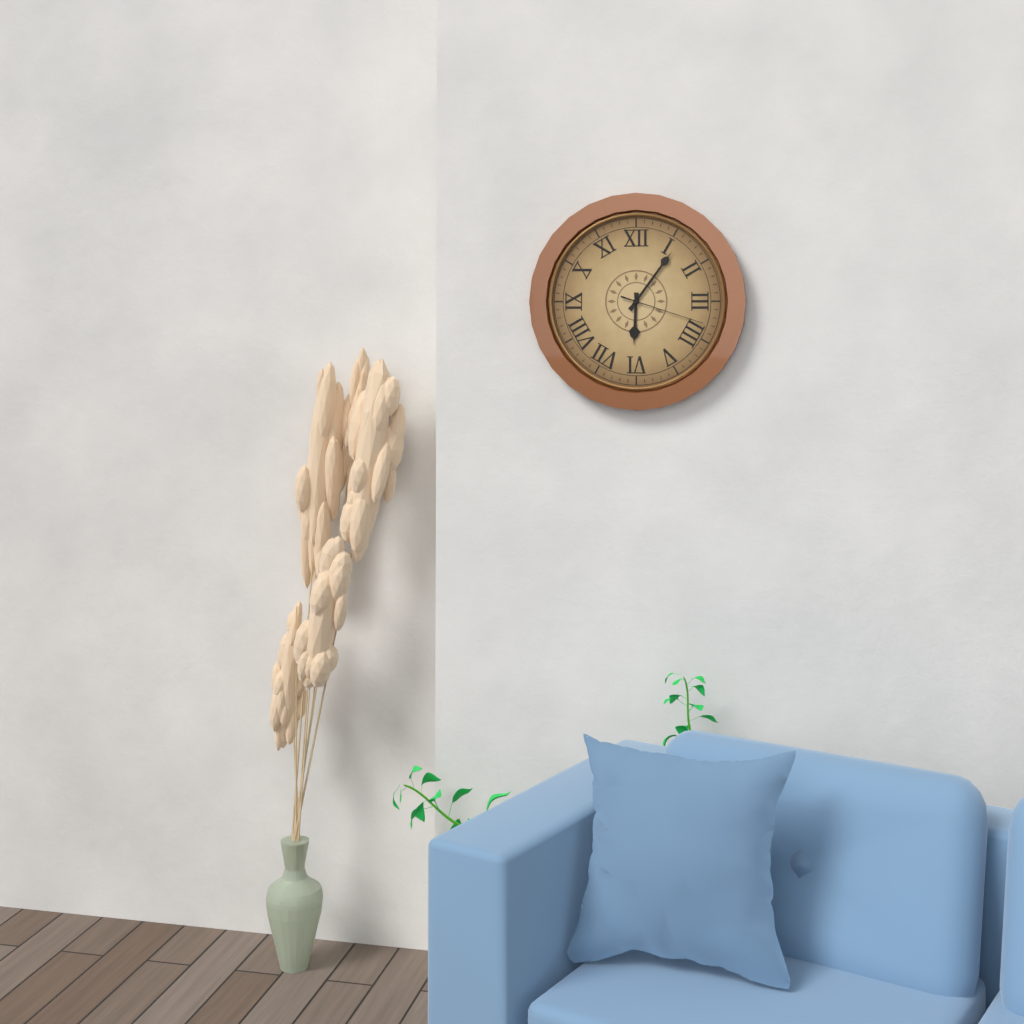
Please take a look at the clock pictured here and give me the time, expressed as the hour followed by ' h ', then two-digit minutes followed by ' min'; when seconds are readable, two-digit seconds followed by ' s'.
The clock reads 6 h 06 min 18 s
